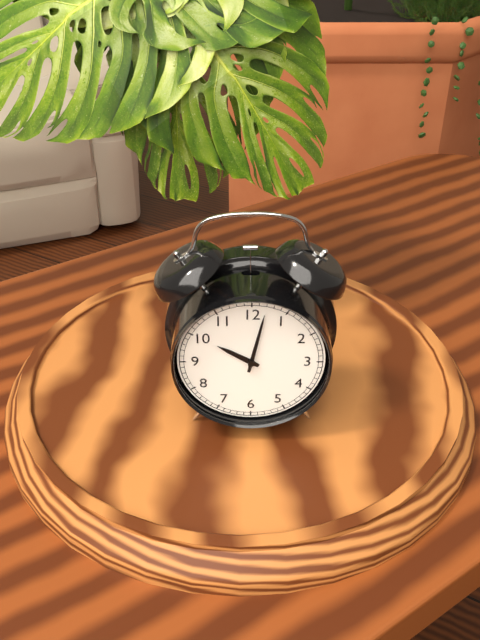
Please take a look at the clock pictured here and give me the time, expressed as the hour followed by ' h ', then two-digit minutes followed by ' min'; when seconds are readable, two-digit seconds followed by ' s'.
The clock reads 10 h 02 min
